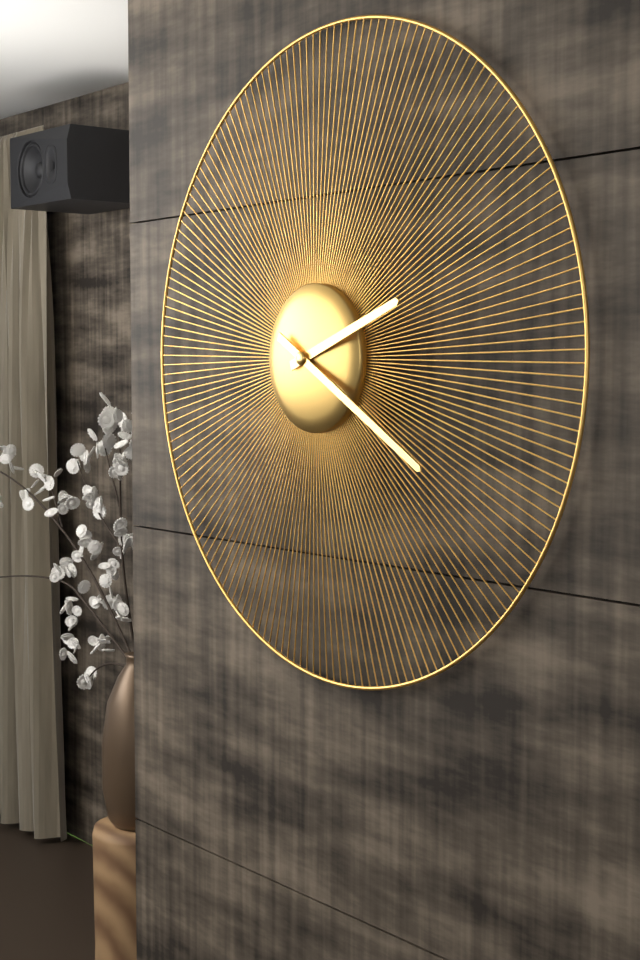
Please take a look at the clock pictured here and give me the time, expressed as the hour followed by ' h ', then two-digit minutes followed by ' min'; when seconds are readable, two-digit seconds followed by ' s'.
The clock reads 2 h 20 min
